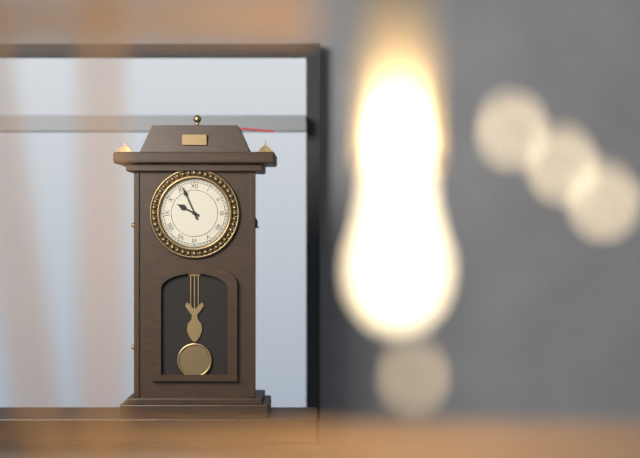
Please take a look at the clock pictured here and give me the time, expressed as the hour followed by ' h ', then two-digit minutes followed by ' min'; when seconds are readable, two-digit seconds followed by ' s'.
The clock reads 9 h 56 min
